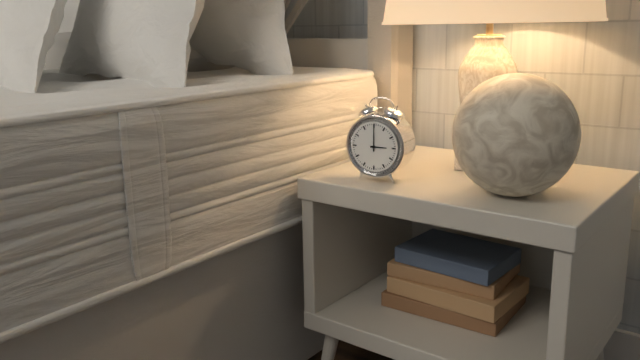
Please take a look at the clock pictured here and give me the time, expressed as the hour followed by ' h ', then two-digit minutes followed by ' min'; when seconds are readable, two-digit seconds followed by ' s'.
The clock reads 3 h 00 min
